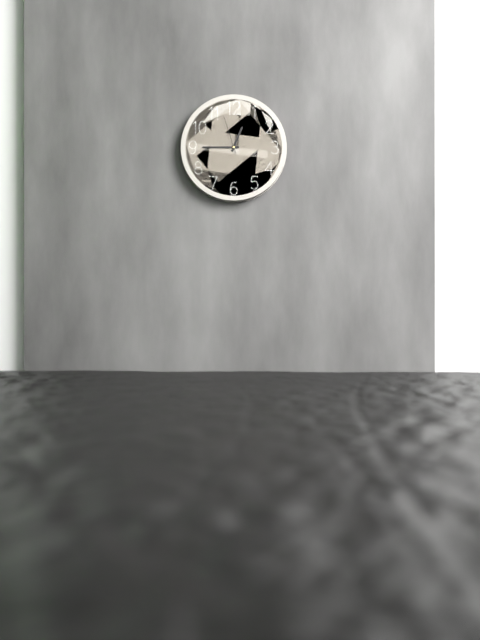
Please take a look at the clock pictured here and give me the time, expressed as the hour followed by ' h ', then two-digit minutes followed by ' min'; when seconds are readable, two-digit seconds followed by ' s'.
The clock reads 12 h 45 min
